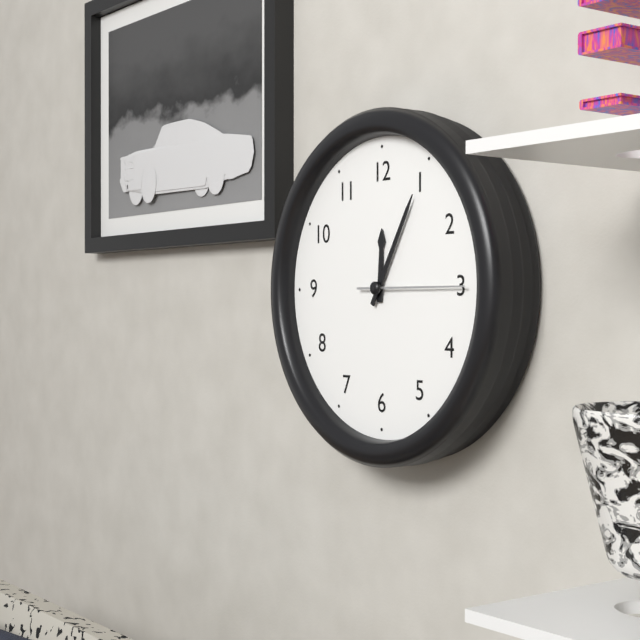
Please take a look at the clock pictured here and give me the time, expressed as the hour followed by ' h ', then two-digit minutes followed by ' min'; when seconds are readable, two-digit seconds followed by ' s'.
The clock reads 12 h 05 min 15 s
